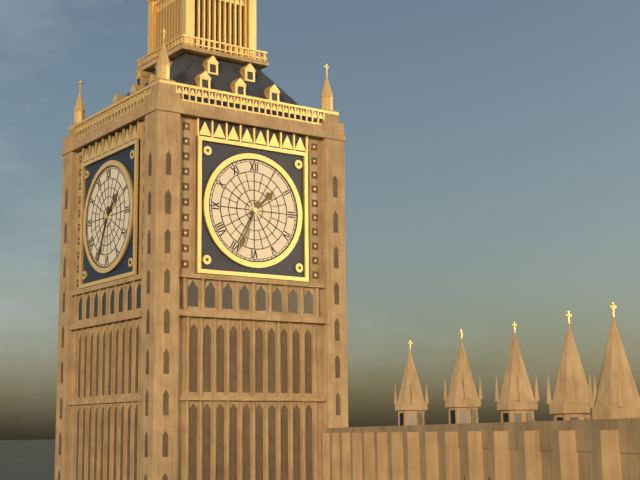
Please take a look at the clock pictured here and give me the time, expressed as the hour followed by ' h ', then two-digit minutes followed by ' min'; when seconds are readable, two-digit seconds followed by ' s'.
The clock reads 1 h 34 min
